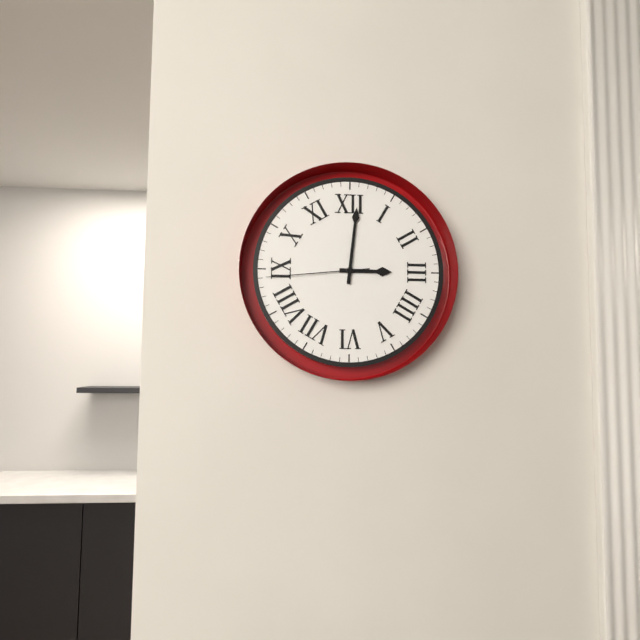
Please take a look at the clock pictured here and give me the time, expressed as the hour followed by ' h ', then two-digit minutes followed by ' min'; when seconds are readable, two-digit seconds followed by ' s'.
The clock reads 3 h 01 min 44 s
